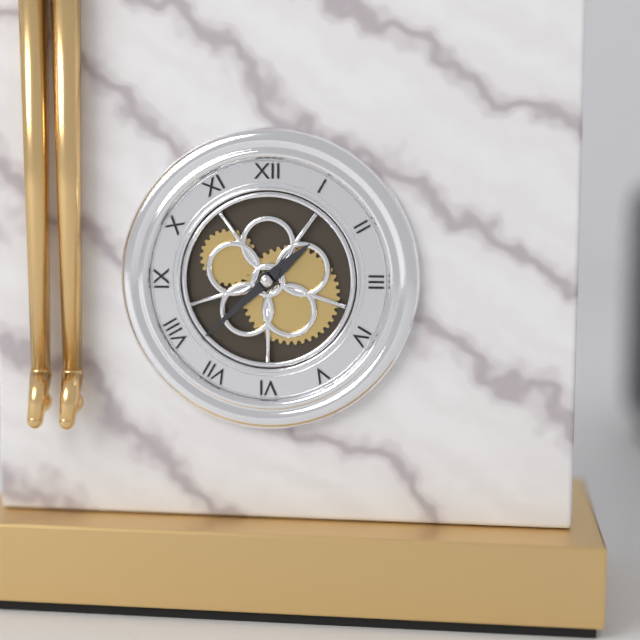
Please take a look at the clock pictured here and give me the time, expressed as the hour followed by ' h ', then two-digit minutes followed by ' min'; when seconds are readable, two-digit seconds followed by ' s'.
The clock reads 1 h 38 min
